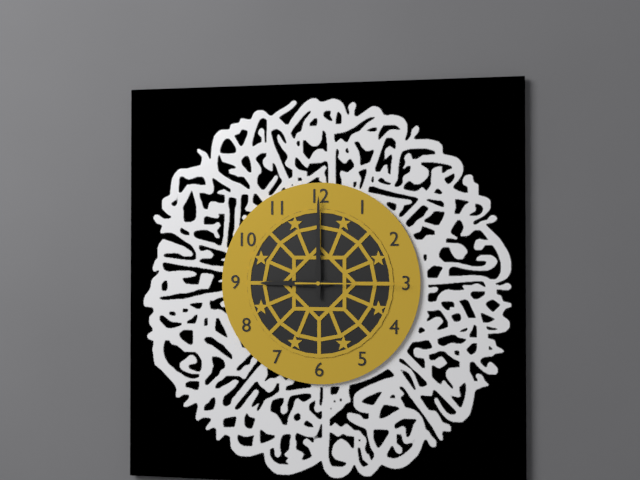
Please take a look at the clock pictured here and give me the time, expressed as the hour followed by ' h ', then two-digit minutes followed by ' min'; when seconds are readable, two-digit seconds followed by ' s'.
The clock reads 9 h 00 min 15 s
